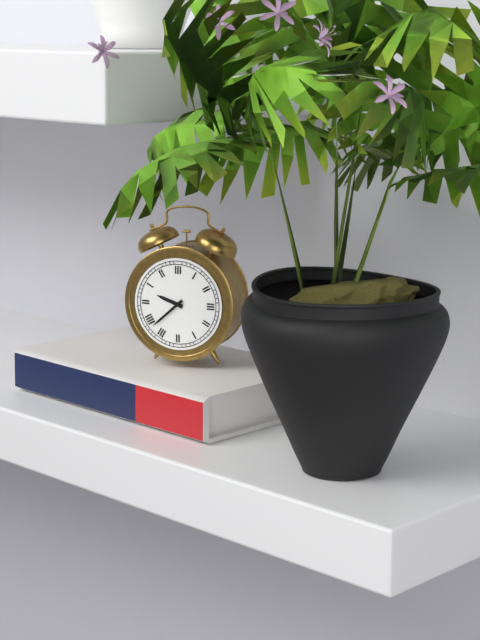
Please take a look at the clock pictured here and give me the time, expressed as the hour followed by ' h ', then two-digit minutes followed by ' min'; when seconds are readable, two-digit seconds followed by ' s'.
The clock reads 9 h 38 min
